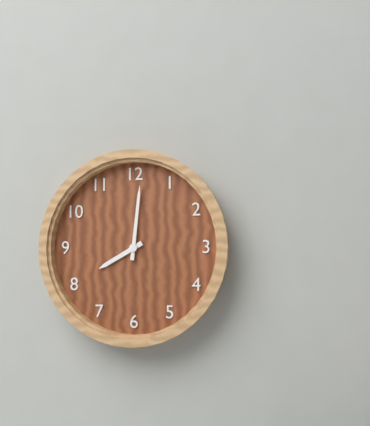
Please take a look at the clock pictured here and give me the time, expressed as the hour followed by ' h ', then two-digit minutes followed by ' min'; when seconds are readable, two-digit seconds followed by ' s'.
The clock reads 8 h 01 min
